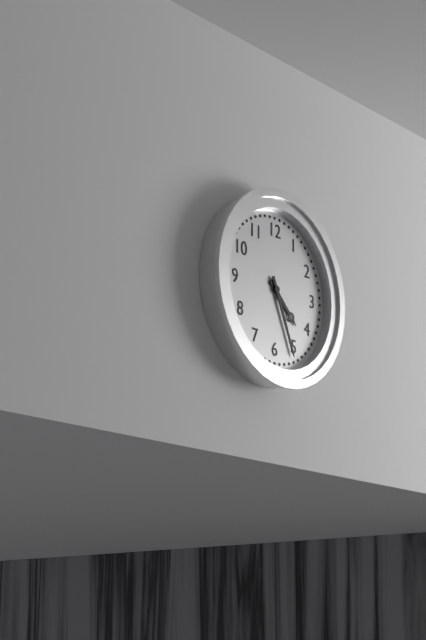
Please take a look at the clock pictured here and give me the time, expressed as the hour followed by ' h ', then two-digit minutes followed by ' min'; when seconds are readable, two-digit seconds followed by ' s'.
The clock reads 4 h 26 min
